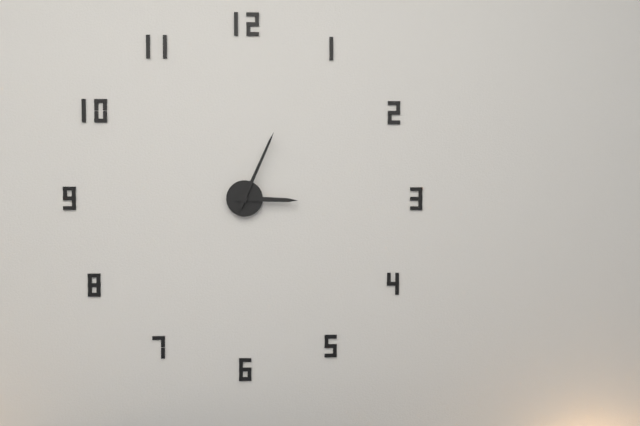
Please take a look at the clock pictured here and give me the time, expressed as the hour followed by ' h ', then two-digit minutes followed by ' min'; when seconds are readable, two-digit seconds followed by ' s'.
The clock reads 3 h 04 min
